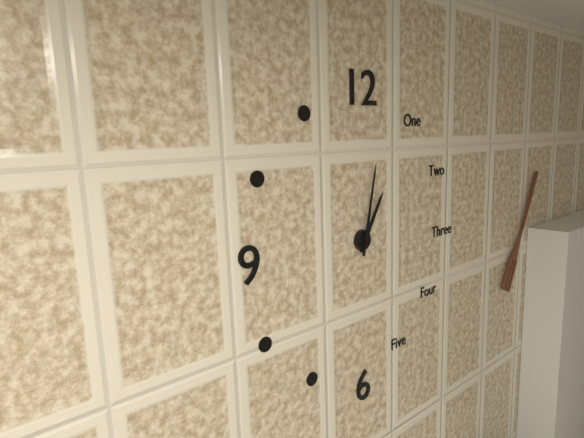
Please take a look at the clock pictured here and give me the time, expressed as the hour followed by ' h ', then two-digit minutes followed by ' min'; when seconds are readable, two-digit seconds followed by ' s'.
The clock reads 1 h 02 min
